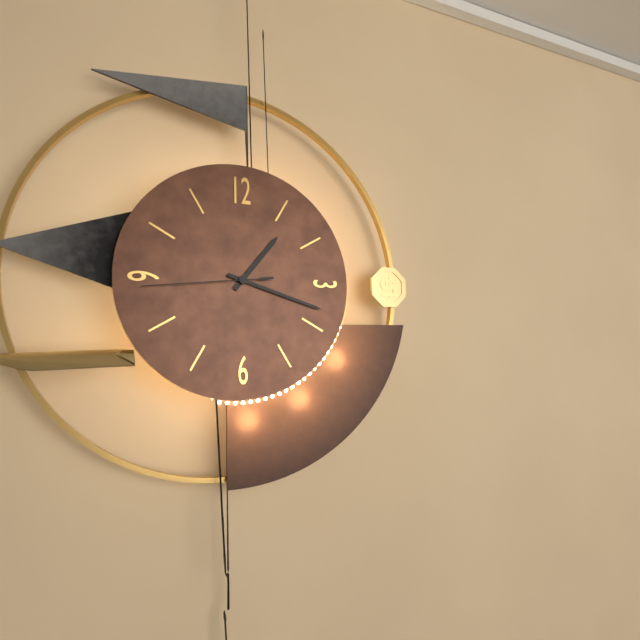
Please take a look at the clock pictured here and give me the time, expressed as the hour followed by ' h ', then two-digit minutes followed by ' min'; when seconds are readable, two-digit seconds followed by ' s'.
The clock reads 1 h 18 min 44 s
